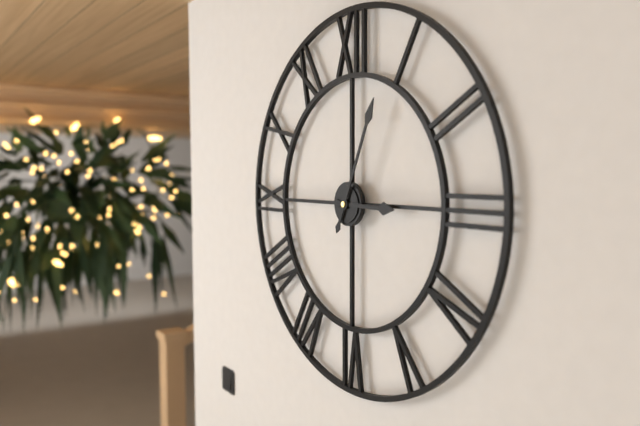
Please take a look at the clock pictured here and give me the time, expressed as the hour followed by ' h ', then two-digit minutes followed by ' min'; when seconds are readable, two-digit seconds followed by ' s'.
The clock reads 3 h 04 min
